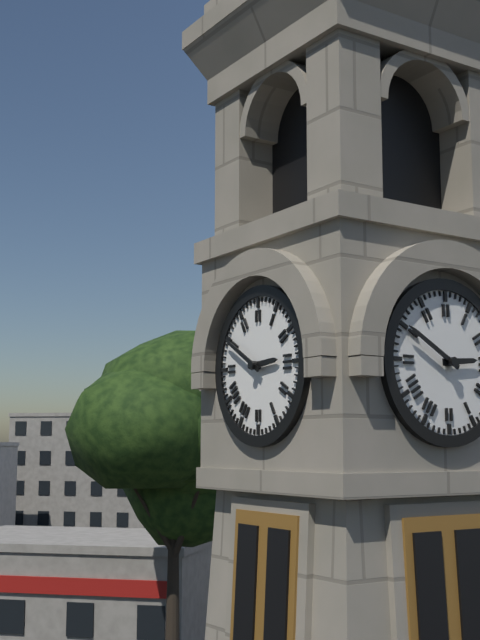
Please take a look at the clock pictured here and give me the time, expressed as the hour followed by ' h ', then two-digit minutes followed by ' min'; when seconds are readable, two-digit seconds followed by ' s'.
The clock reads 2 h 50 min
